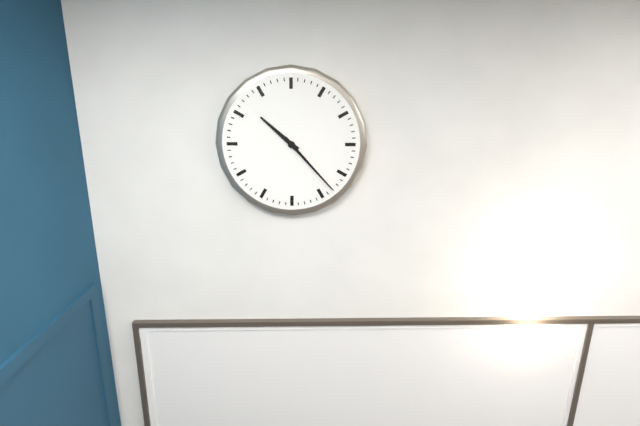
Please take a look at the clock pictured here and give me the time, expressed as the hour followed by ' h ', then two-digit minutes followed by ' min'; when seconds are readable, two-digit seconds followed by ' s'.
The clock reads 10 h 23 min
